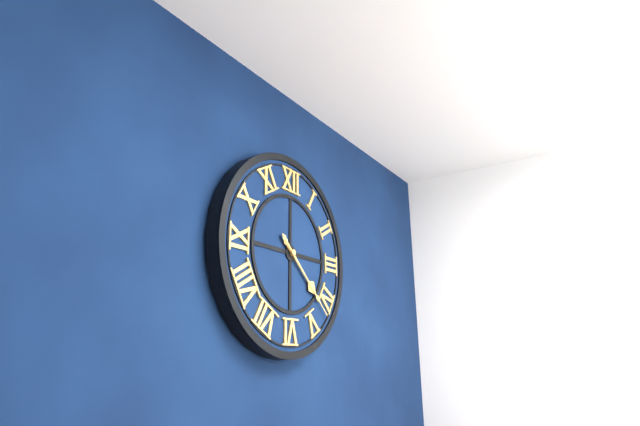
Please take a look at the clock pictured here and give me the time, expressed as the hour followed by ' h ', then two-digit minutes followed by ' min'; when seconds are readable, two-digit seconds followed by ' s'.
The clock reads 4 h 22 min
